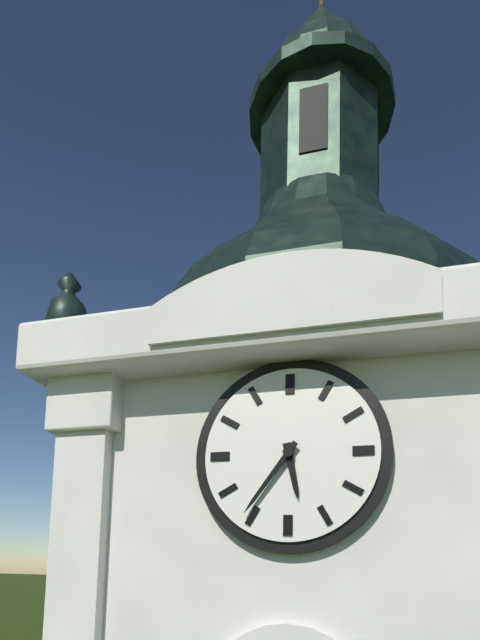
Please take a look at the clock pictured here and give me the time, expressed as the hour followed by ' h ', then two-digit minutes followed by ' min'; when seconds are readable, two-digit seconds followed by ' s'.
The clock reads 5 h 36 min
